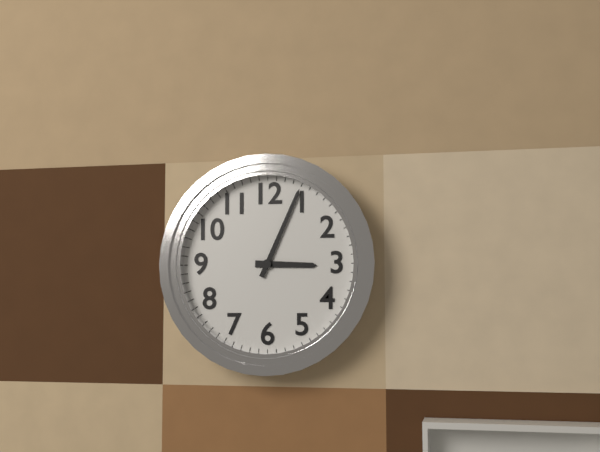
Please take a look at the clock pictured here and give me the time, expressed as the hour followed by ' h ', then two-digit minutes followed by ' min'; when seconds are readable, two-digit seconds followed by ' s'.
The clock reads 3 h 04 min
